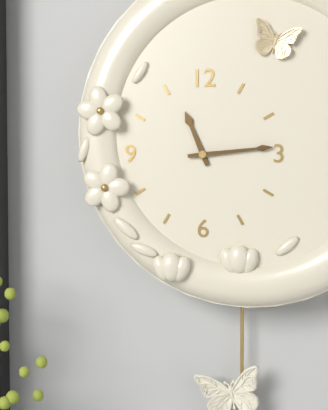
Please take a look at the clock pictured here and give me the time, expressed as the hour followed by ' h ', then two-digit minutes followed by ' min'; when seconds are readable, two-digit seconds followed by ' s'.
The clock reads 11 h 14 min
